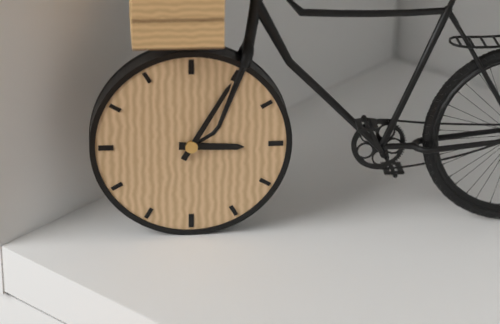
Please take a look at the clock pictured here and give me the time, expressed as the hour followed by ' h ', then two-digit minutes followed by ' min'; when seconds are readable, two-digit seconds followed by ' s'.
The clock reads 3 h 05 min
